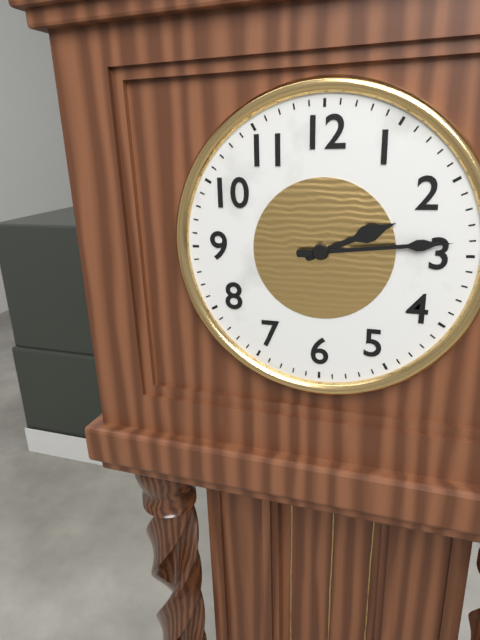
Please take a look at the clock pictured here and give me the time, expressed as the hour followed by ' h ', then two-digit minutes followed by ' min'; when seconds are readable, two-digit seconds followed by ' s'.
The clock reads 2 h 14 min
